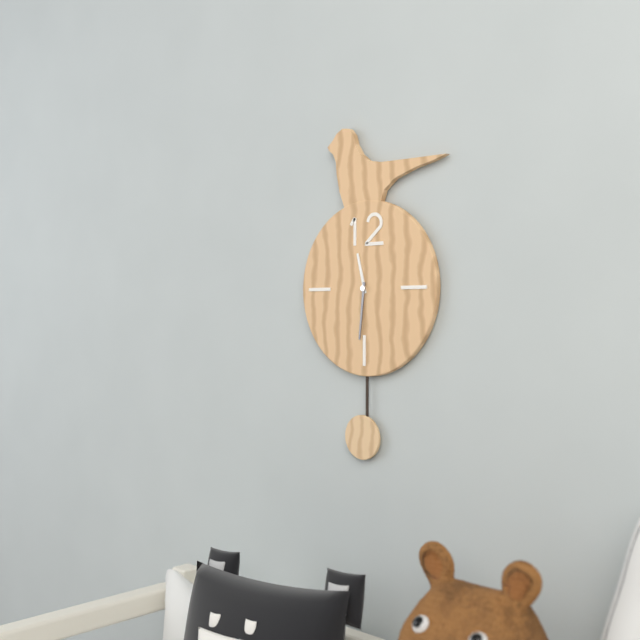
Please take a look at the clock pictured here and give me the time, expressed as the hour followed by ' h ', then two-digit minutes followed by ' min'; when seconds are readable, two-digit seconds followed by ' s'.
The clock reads 11 h 31 min
